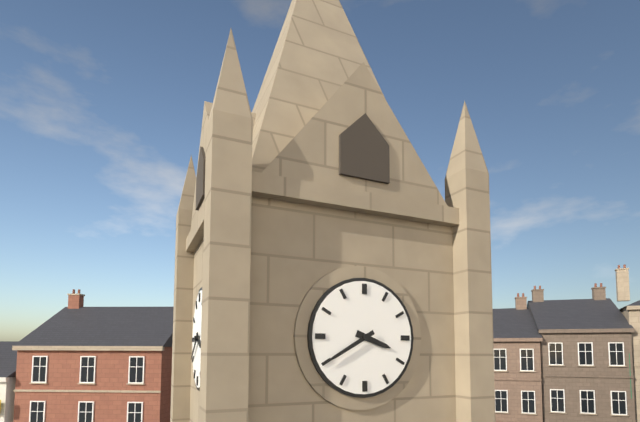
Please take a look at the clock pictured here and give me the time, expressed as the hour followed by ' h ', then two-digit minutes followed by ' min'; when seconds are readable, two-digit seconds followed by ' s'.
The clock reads 3 h 40 min
